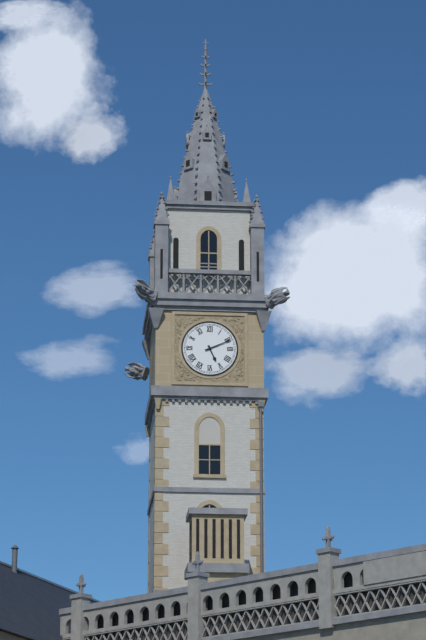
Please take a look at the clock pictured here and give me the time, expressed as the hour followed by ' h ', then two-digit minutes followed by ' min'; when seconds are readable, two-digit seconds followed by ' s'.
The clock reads 5 h 11 min
